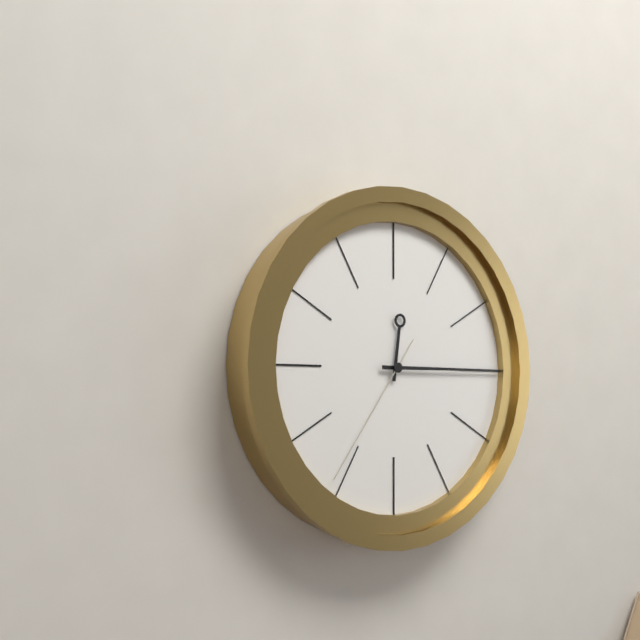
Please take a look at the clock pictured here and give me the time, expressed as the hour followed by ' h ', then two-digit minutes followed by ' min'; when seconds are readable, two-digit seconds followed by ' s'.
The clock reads 12 h 15 min 36 s
